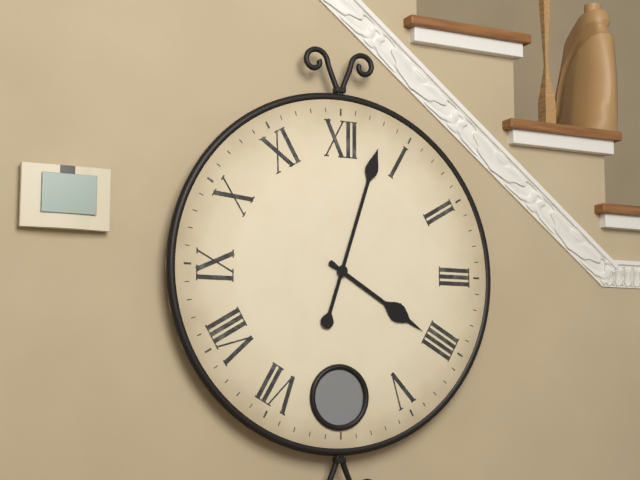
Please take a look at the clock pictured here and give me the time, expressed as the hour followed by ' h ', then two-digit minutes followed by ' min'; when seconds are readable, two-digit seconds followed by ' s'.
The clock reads 4 h 03 min
